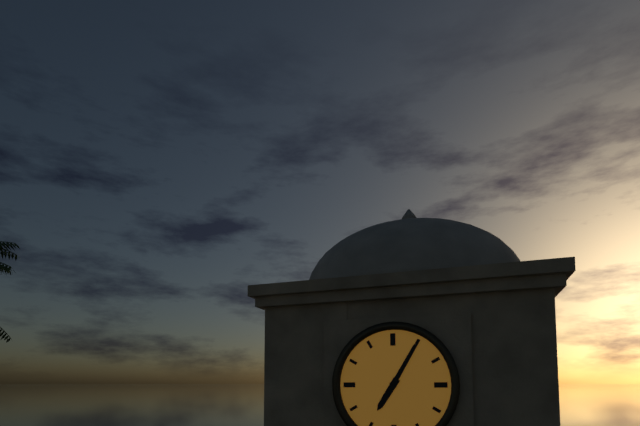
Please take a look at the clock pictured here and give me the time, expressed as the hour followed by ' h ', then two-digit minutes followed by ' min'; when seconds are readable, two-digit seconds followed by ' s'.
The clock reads 7 h 05 min
